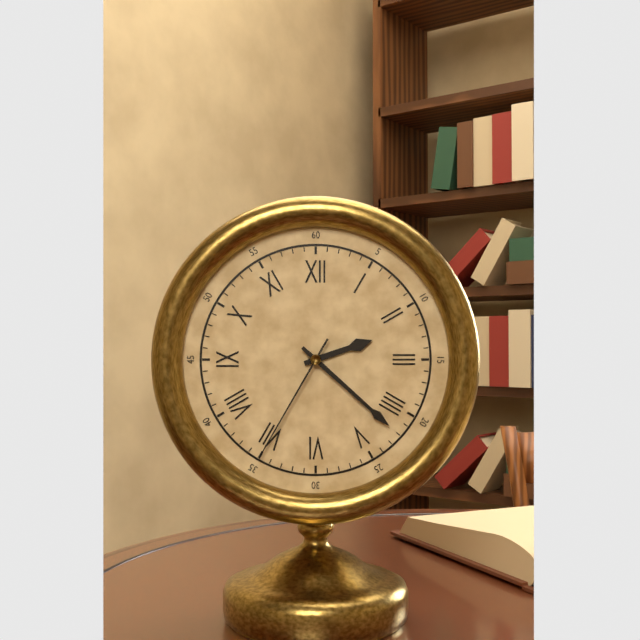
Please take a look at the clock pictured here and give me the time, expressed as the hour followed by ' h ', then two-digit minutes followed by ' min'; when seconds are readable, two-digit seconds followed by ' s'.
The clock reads 2 h 22 min 35 s
